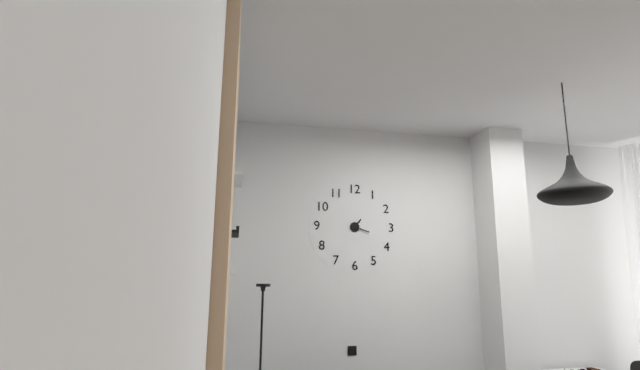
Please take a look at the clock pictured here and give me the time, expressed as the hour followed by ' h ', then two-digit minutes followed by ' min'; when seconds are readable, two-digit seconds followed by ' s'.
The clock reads 1 h 18 min
